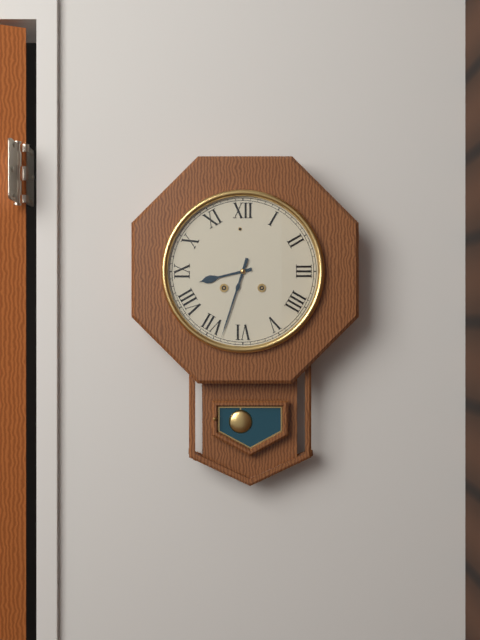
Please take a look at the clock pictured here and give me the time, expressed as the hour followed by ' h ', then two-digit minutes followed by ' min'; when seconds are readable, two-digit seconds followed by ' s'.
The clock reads 8 h 33 min
